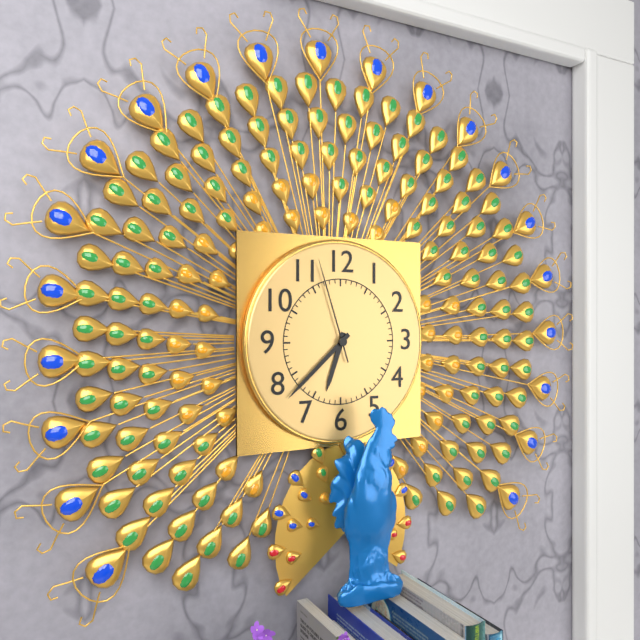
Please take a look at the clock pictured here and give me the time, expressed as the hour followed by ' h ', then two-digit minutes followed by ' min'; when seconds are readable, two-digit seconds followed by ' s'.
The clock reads 6 h 38 min 57 s
